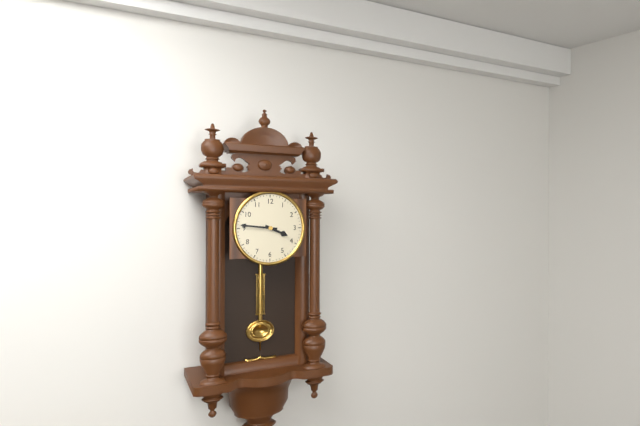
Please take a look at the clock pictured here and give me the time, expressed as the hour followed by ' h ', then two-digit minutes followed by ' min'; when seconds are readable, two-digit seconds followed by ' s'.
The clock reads 3 h 46 min
